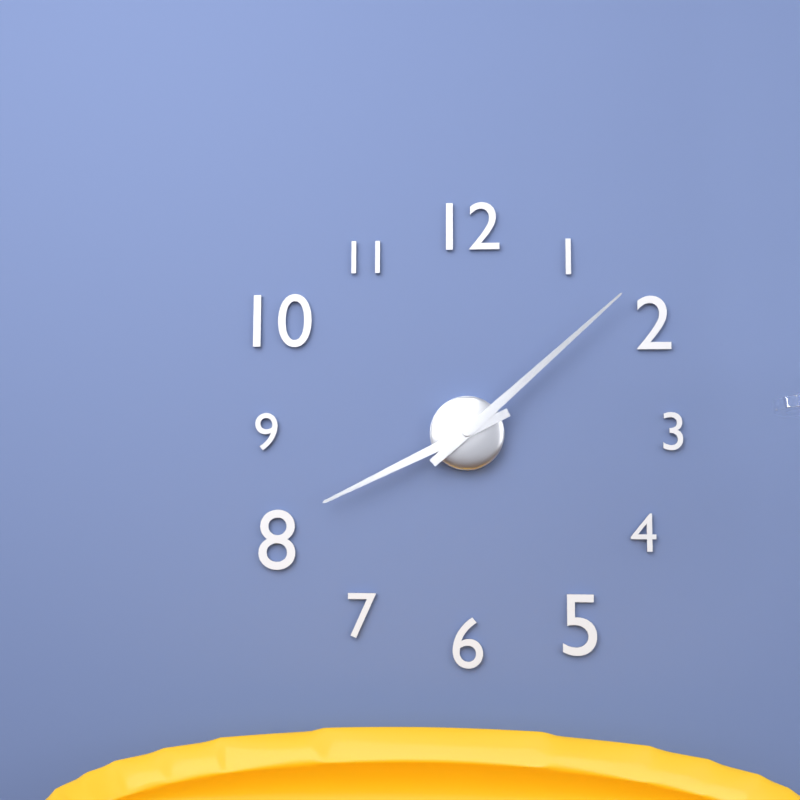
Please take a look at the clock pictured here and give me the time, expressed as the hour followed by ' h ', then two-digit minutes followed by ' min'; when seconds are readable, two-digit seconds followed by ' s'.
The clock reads 8 h 08 min
